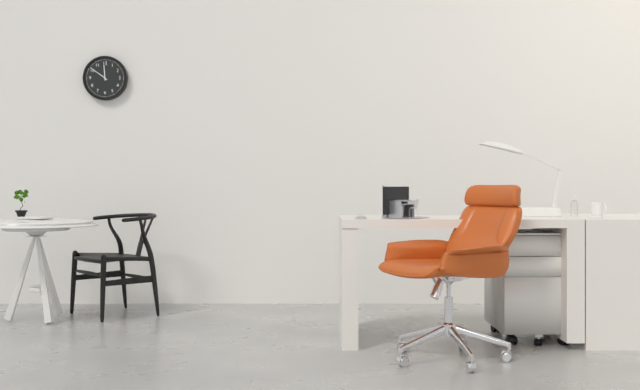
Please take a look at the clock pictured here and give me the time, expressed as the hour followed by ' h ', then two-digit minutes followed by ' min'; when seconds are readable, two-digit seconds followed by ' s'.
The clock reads 11 h 51 min
